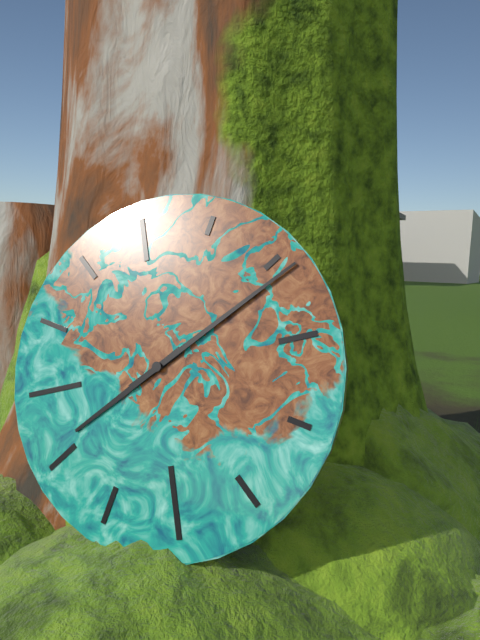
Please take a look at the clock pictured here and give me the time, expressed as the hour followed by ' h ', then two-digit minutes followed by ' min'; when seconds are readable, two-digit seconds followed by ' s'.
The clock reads 8 h 11 min
